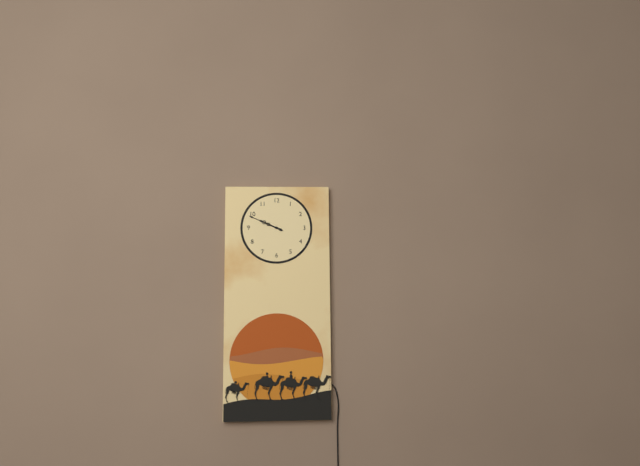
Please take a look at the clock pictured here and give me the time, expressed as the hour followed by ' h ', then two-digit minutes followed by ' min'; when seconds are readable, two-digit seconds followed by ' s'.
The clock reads 9 h 49 min
